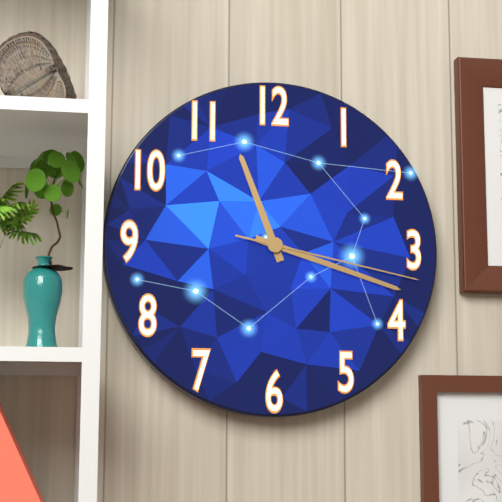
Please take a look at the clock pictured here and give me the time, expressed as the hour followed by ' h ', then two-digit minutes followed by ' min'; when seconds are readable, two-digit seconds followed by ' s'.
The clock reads 11 h 18 min 17 s
